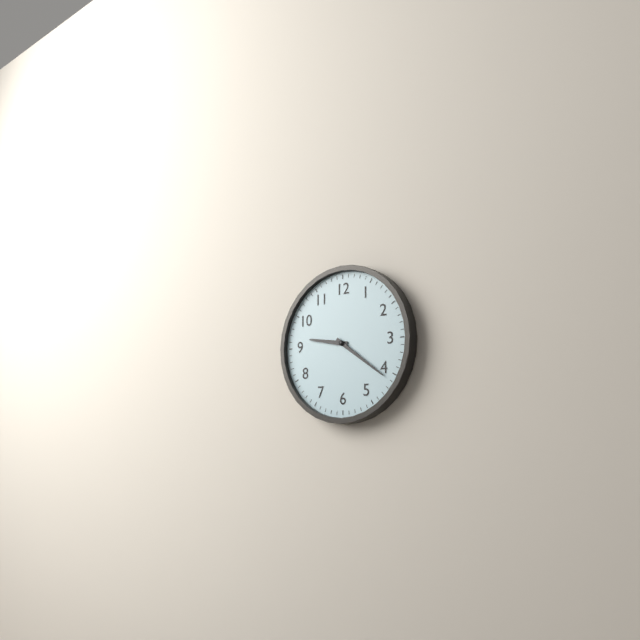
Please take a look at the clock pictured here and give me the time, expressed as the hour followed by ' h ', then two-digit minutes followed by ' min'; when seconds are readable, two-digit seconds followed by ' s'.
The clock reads 9 h 21 min
